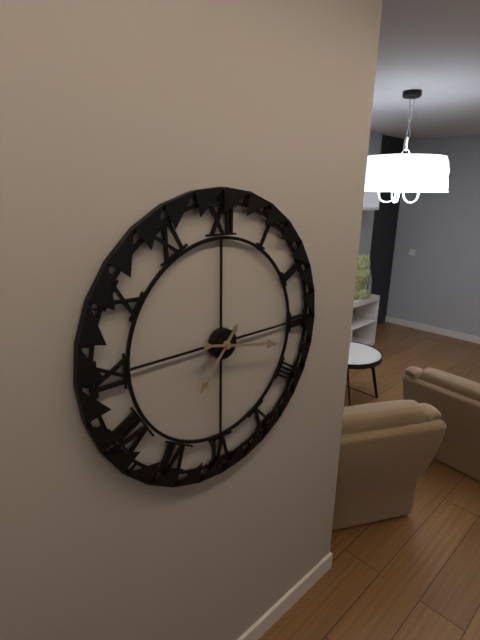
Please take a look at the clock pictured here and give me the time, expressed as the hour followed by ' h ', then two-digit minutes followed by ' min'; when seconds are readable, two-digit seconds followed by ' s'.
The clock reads 7 h 17 min
